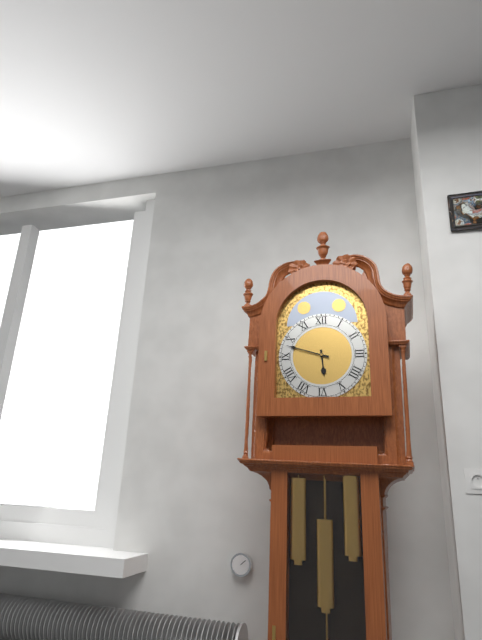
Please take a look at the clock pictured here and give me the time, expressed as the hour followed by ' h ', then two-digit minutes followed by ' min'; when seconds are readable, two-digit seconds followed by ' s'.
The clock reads 5 h 48 min
